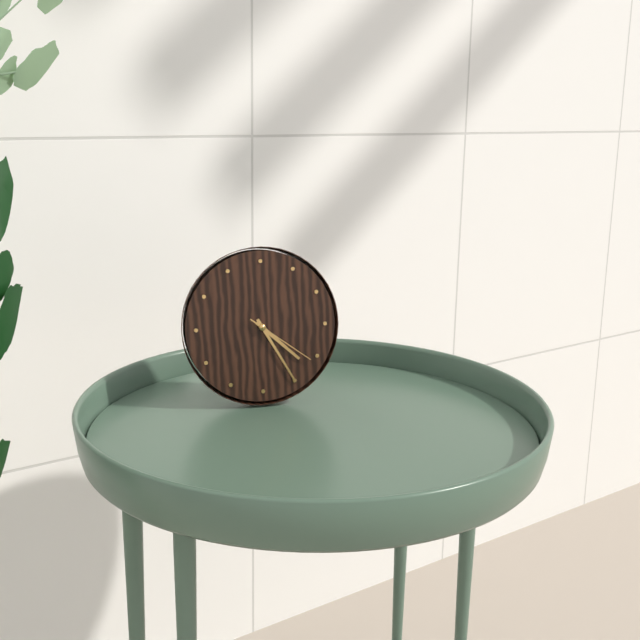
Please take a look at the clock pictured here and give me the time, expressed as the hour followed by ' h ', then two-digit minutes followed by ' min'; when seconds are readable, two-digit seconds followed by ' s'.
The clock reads 4 h 25 min 21 s
